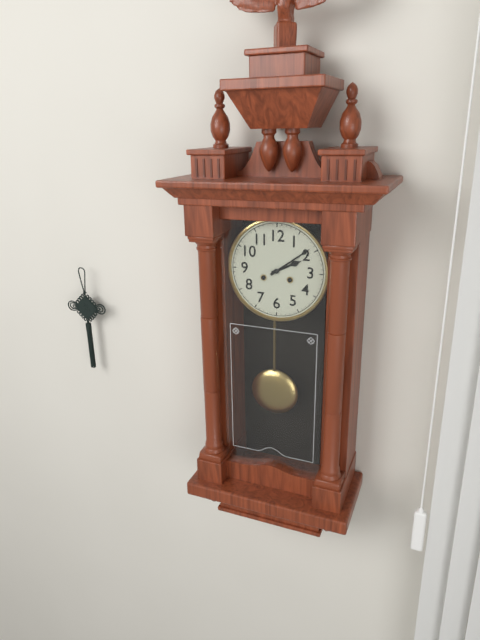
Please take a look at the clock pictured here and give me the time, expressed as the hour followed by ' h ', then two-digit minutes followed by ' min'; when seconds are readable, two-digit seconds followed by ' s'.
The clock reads 2 h 09 min
